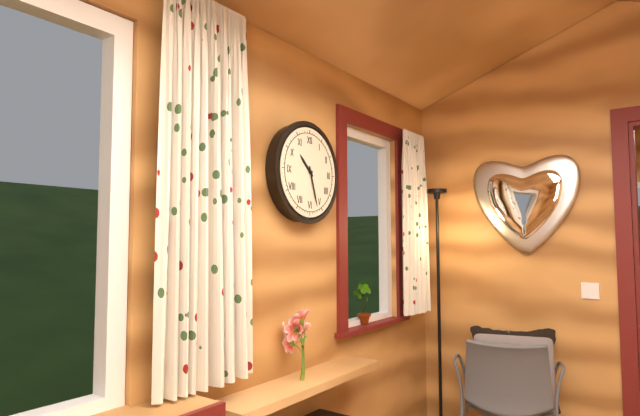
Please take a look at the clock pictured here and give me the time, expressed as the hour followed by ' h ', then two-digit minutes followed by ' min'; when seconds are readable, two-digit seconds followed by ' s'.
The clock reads 10 h 27 min
